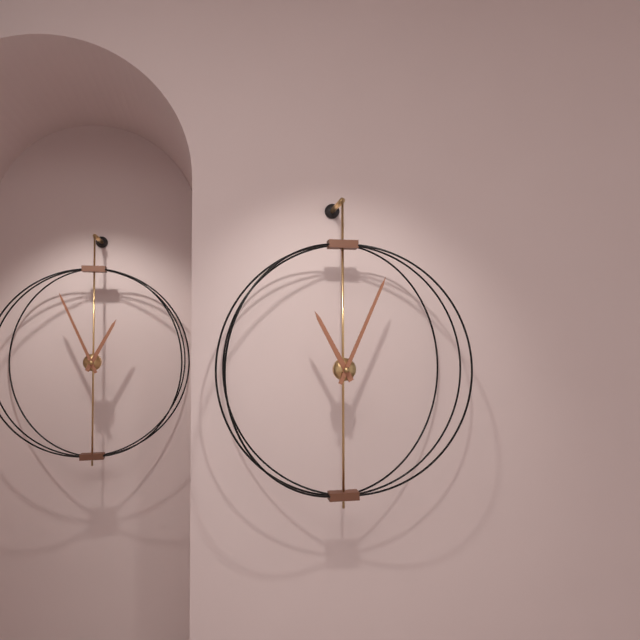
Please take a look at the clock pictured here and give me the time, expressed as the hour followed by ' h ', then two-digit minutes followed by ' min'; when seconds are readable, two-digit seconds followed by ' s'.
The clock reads 11 h 04 min
